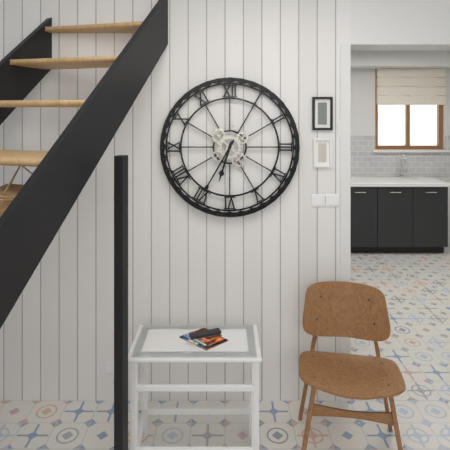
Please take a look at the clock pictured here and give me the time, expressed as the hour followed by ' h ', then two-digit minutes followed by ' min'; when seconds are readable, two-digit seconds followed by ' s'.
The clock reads 6 h 35 min
